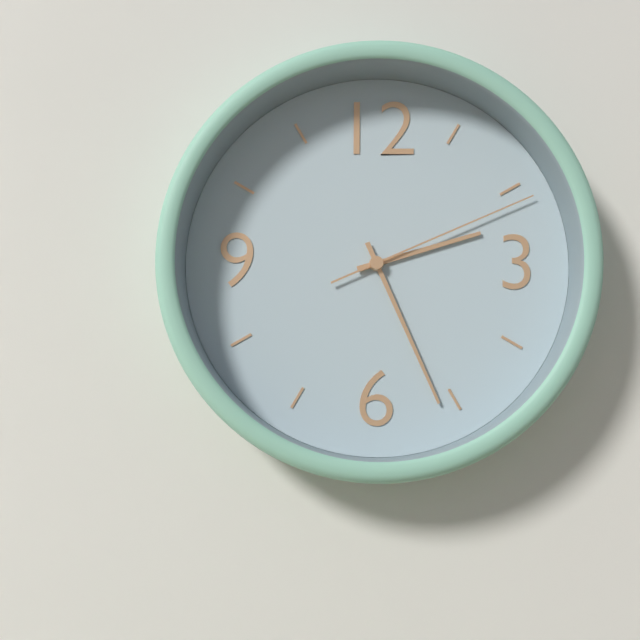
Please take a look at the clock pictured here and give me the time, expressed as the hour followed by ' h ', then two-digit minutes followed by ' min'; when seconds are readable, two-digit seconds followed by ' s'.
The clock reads 2 h 26 min 11 s
